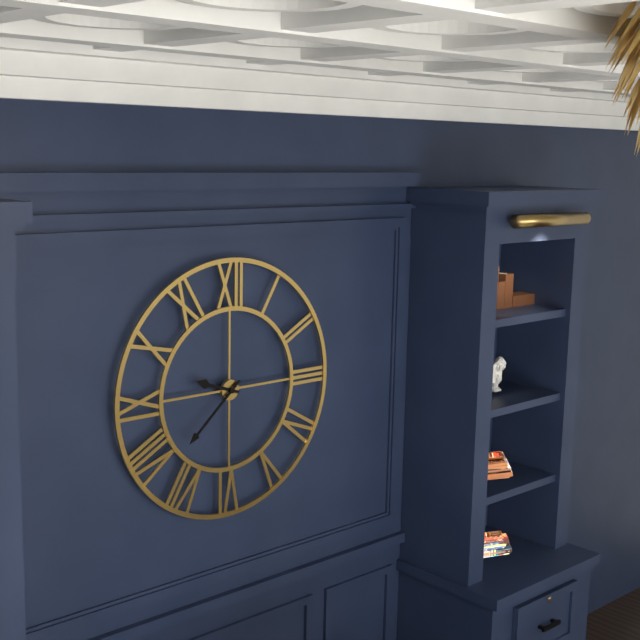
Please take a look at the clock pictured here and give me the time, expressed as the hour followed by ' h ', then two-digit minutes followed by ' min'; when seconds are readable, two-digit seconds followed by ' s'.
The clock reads 9 h 38 min
